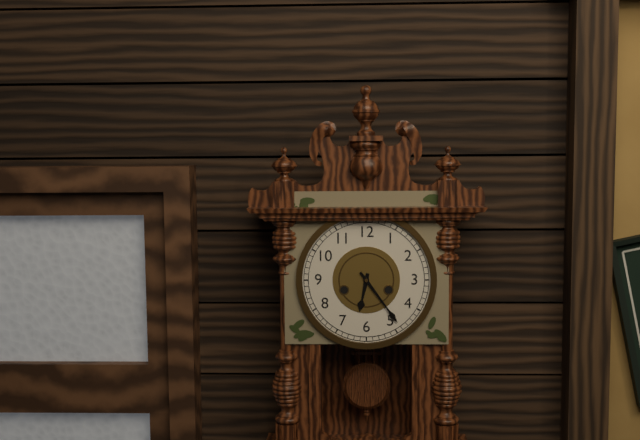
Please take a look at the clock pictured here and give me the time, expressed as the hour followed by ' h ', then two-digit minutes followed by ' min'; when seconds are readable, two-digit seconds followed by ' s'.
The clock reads 6 h 24 min
